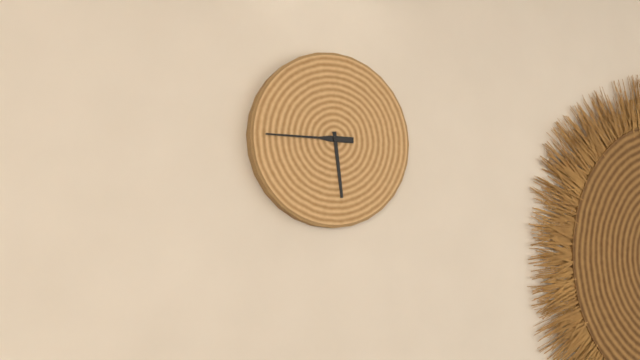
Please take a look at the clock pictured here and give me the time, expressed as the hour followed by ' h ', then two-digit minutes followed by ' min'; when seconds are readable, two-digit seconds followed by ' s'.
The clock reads 5 h 45 min
